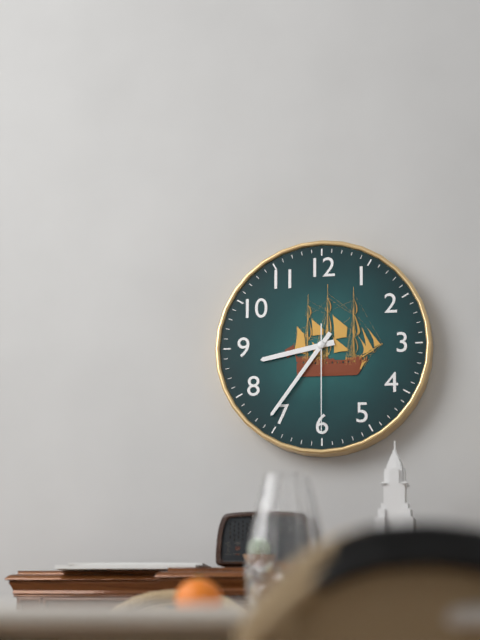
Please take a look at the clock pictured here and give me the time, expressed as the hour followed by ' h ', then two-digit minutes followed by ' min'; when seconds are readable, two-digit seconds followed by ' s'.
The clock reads 8 h 36 min 30 s
